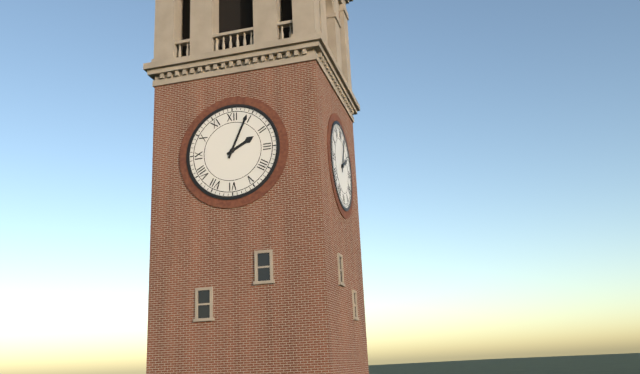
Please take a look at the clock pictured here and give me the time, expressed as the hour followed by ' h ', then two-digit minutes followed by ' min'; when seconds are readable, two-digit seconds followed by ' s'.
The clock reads 2 h 04 min
